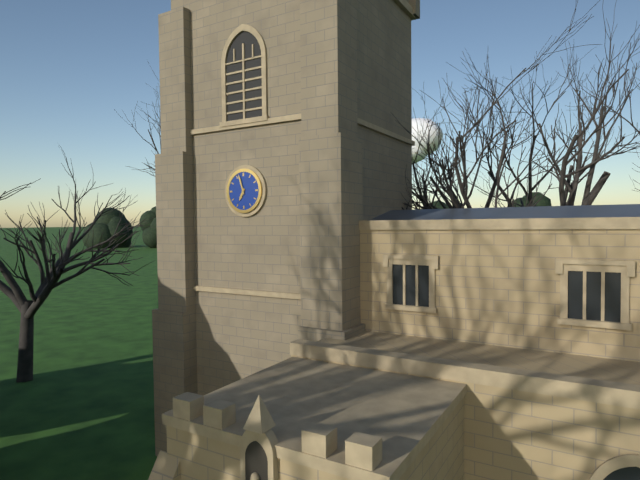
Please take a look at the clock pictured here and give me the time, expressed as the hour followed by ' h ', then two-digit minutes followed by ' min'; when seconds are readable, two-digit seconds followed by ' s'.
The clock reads 6 h 57 min
